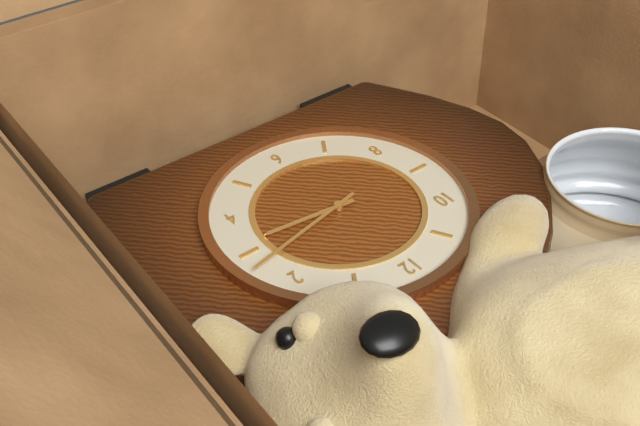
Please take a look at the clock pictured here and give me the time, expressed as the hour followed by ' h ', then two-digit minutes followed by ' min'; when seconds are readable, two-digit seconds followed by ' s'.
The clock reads 3 h 13 min
